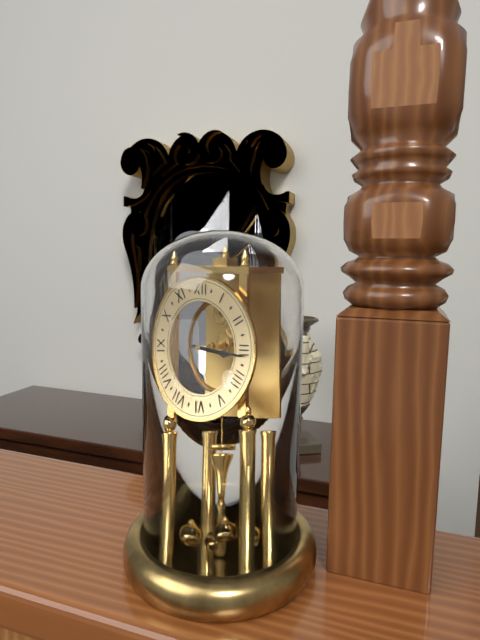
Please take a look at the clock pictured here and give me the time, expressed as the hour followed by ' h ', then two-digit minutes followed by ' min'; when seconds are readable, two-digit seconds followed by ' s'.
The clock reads 3 h 16 min
